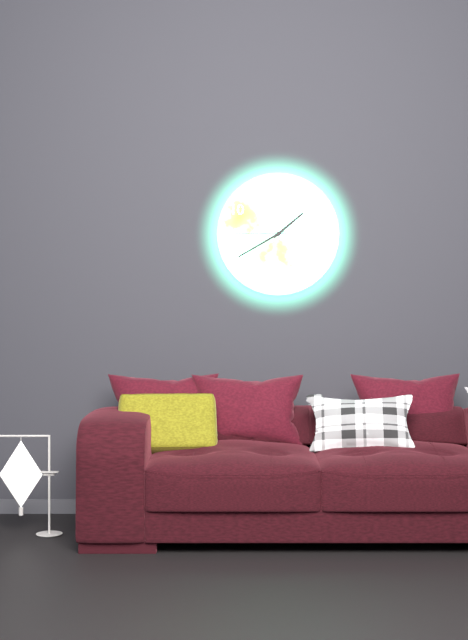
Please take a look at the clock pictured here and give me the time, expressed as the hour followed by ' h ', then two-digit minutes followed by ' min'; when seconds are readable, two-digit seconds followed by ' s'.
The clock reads 1 h 40 min 45 s
